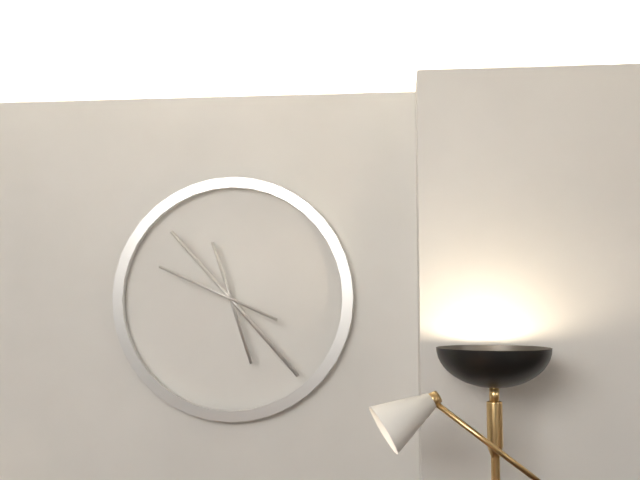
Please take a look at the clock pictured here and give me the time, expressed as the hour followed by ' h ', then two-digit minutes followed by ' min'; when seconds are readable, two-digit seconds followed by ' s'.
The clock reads 5 h 23 min 49 s
